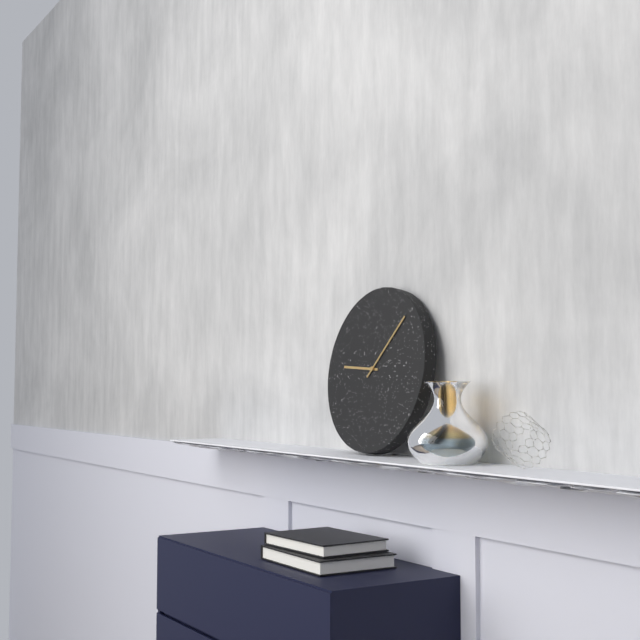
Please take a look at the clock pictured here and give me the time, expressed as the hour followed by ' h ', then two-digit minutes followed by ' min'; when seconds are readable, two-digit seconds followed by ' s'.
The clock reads 9 h 07 min
